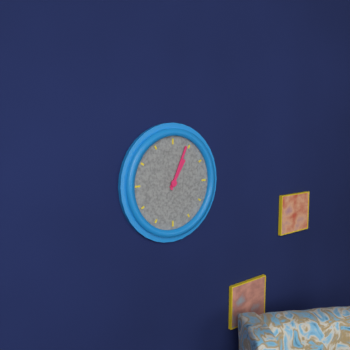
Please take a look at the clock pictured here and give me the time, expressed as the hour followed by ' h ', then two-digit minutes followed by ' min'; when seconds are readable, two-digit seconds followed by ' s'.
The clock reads 1 h 04 min
